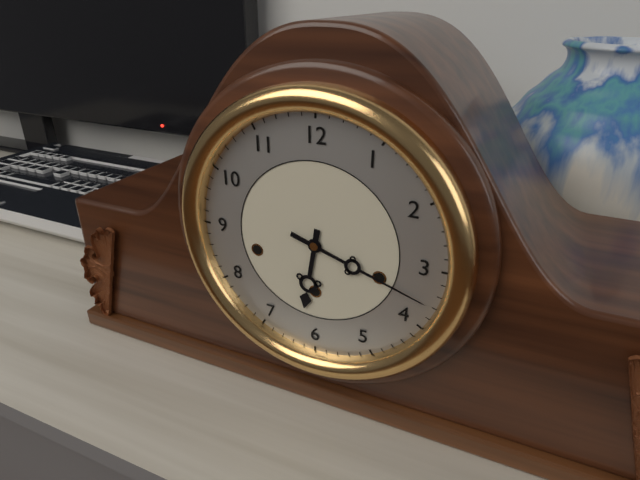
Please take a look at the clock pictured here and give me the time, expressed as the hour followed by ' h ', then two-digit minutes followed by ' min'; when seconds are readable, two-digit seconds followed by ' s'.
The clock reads 6 h 18 min
